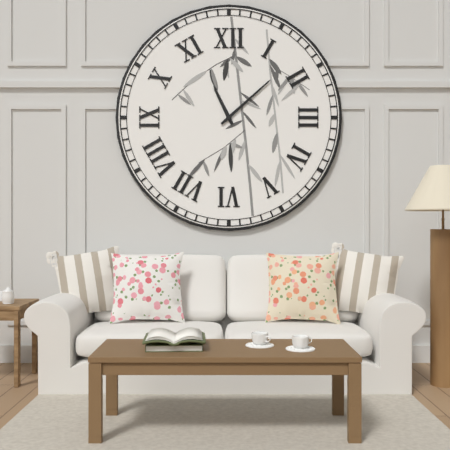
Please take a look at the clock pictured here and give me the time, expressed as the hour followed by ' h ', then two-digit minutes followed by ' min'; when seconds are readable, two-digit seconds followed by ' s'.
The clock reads 11 h 08 min
